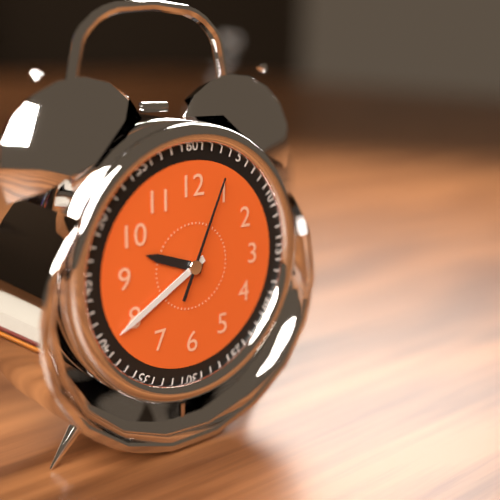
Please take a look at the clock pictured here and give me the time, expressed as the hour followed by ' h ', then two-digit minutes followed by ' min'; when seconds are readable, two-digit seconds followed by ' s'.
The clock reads 9 h 40 min 04 s
